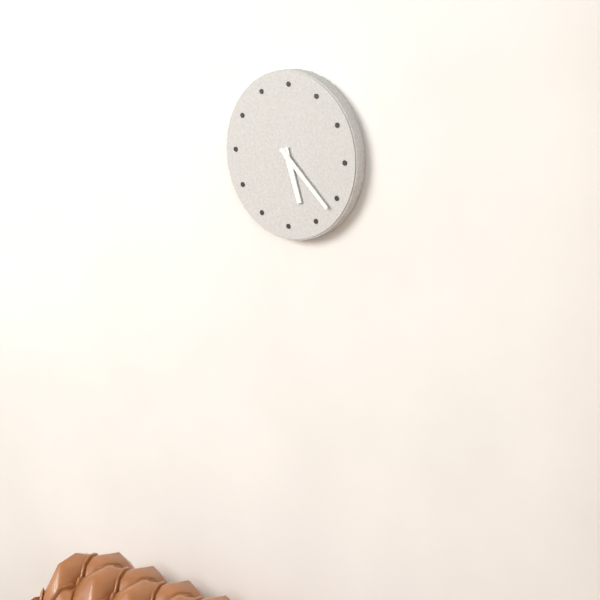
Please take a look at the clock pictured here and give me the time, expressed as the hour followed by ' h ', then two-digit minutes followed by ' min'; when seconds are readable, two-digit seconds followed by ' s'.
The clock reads 5 h 22 min
